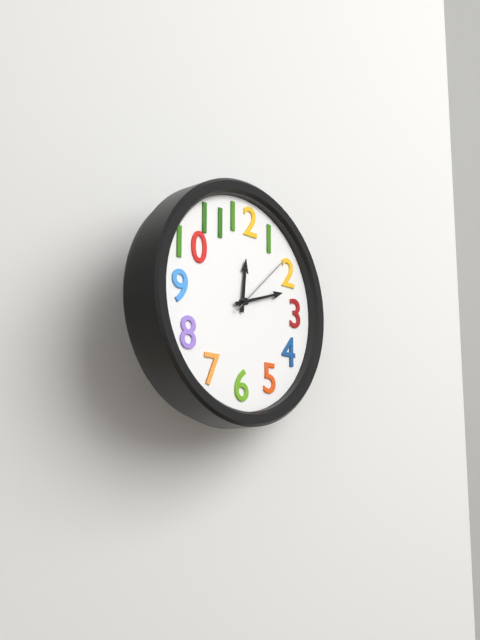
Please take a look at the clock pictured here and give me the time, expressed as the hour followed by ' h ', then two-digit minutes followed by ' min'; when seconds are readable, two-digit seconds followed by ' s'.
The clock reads 12 h 12 min 08 s
